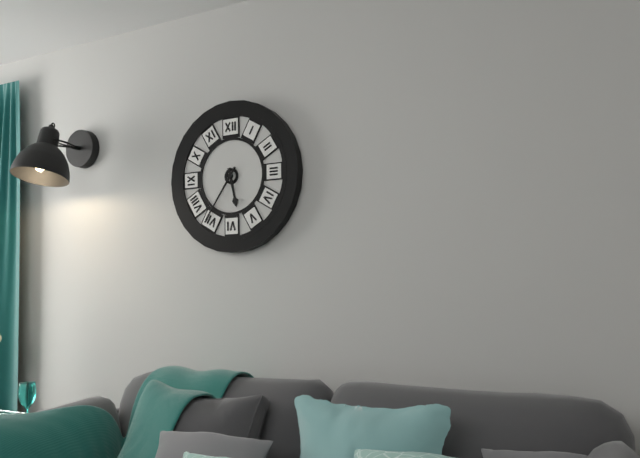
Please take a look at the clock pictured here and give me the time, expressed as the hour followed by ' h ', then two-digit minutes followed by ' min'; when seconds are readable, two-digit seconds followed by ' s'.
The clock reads 5 h 36 min
